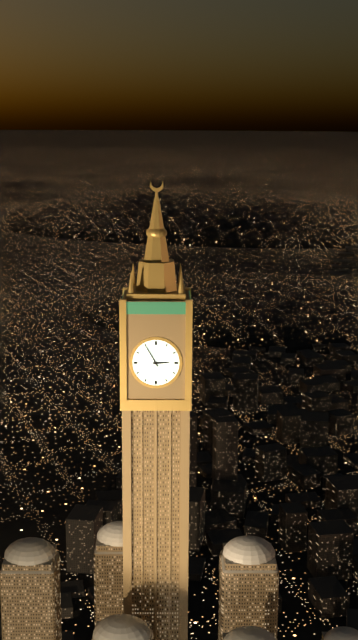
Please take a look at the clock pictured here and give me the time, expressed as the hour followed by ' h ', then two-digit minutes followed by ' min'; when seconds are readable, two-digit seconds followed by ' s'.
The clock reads 2 h 55 min
